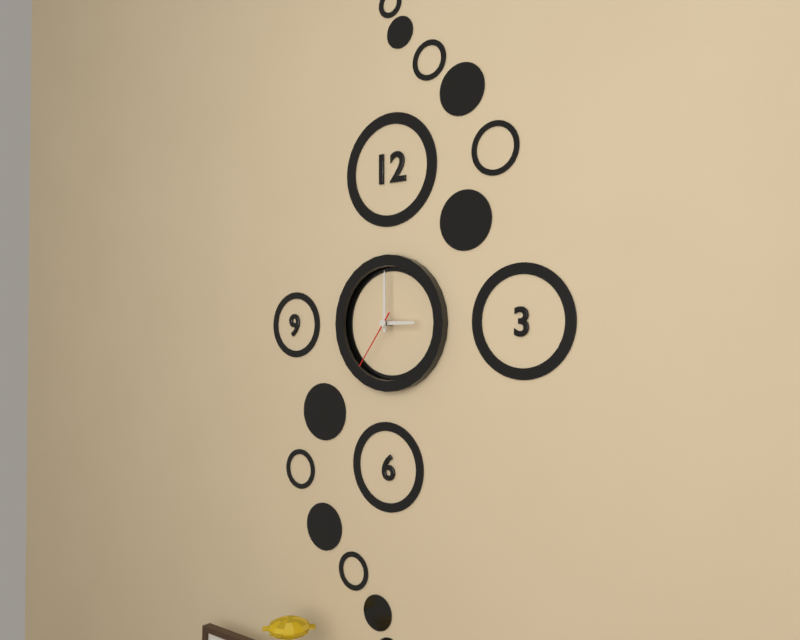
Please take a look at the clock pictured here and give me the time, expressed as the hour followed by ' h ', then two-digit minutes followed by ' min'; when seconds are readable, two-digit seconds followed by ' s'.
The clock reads 3 h 00 min 36 s
